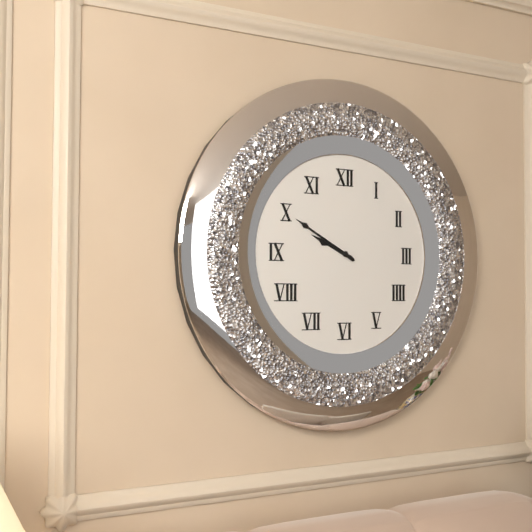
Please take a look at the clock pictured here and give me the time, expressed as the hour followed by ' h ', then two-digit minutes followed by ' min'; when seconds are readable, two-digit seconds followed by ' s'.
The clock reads 9 h 50 min
